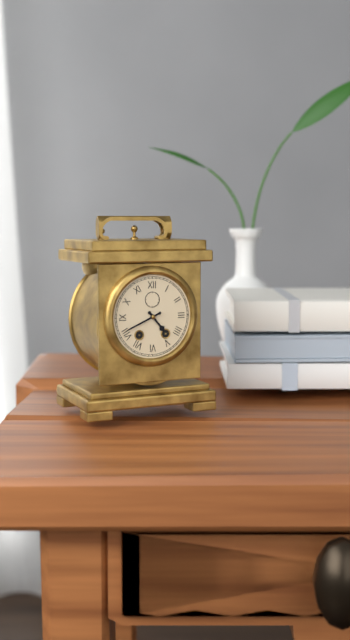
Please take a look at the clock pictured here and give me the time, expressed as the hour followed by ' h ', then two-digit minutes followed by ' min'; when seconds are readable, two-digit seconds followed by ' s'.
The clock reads 4 h 41 min
